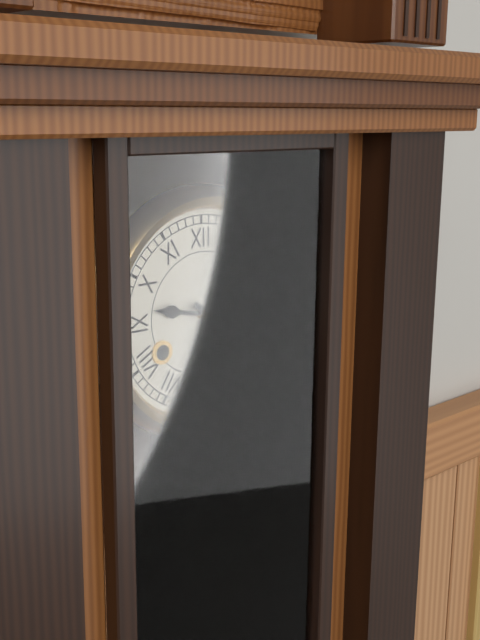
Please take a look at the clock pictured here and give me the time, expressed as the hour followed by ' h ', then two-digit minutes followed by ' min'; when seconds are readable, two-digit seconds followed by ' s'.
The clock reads 9 h 22 min
